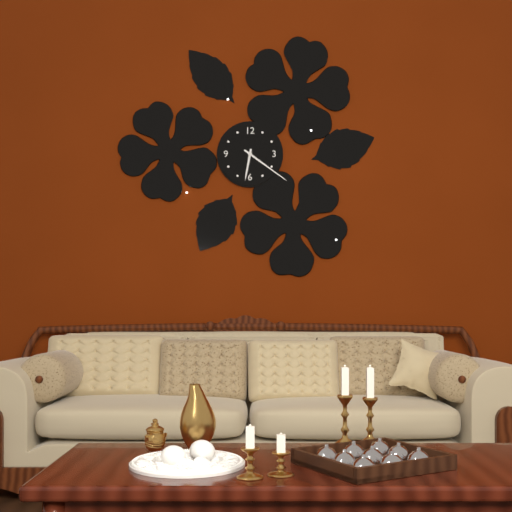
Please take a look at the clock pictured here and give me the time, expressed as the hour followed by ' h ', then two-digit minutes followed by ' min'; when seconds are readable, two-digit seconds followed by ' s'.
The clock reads 6 h 21 min
